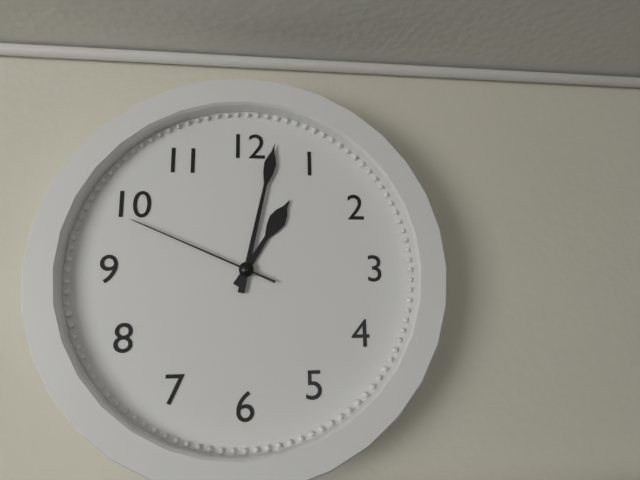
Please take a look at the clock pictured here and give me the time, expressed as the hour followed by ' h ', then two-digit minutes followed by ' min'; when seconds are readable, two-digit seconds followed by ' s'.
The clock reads 1 h 02 min 49 s
